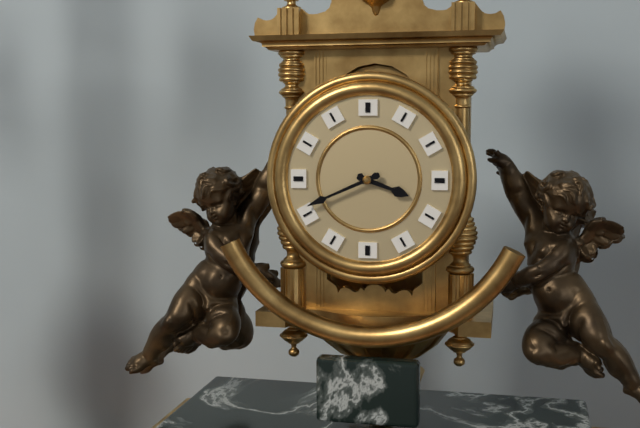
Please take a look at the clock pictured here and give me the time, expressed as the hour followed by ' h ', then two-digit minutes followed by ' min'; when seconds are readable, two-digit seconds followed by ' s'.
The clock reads 3 h 41 min
